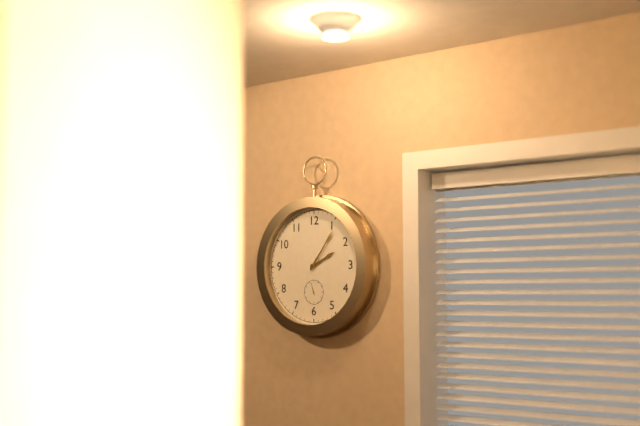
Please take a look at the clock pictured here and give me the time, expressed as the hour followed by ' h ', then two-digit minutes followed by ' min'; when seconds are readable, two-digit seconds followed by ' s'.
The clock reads 2 h 06 min
